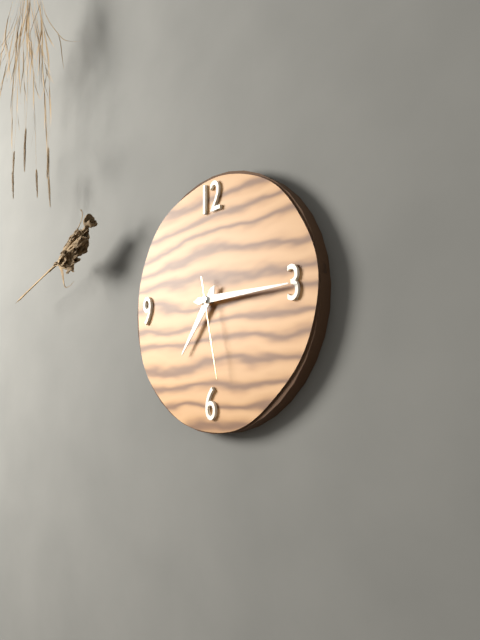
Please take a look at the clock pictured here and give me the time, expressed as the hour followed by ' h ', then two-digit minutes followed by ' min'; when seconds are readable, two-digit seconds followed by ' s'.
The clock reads 7 h 15 min 28 s
